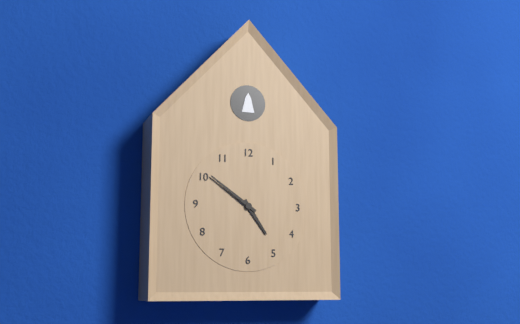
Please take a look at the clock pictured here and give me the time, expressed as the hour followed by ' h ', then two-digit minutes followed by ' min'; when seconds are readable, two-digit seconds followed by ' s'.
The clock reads 4 h 51 min
